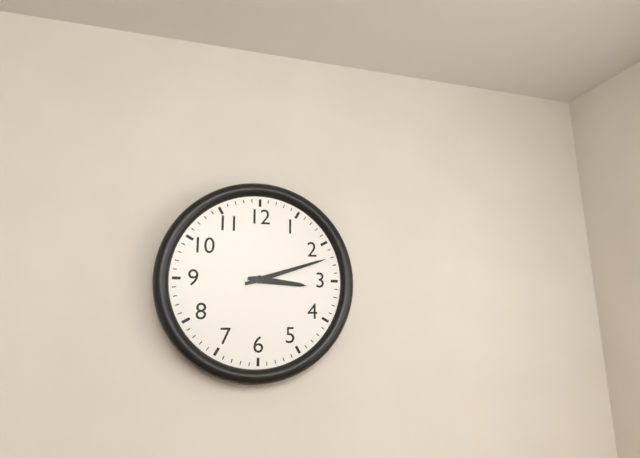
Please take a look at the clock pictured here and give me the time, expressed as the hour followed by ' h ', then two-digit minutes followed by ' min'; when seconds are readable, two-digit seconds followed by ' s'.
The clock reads 3 h 12 min
